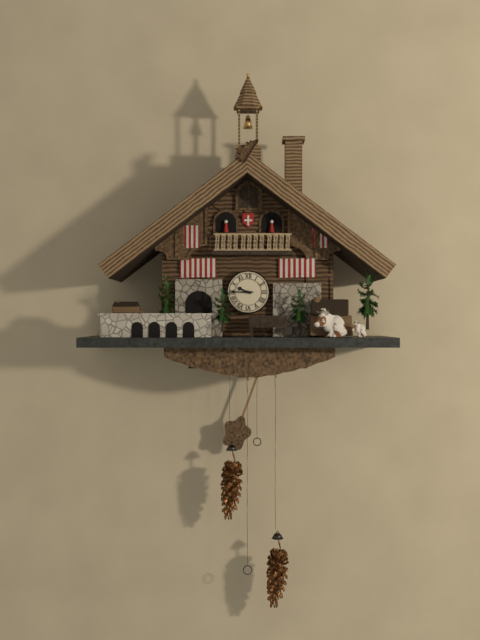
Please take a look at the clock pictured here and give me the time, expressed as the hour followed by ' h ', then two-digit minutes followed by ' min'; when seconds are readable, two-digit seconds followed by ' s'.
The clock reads 9 h 45 min
